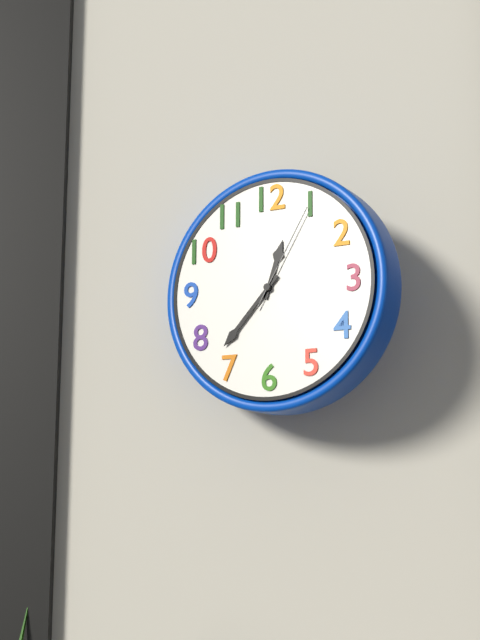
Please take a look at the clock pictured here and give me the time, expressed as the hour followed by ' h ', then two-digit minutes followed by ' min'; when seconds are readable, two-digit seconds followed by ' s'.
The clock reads 12 h 37 min 05 s
